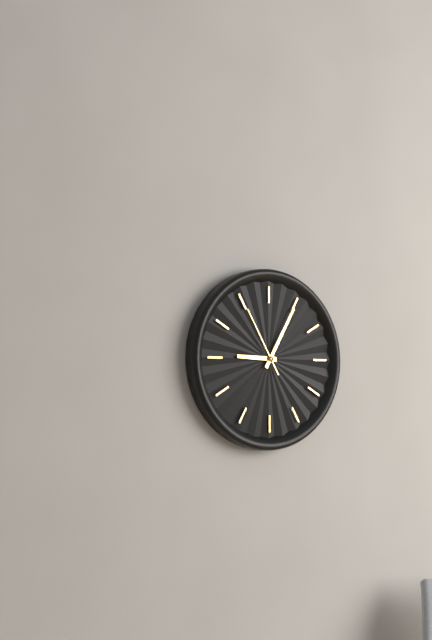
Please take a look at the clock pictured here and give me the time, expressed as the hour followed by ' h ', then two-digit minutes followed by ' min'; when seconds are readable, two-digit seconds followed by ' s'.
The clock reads 9 h 05 min 55 s
